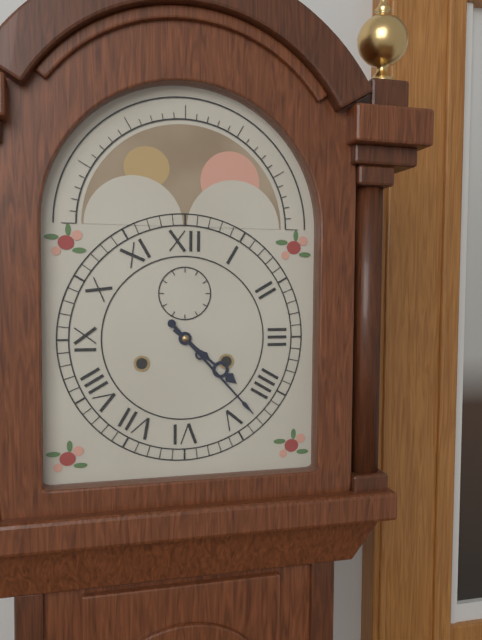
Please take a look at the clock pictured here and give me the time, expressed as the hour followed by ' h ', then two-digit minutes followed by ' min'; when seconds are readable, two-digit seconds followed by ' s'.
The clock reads 4 h 23 min
